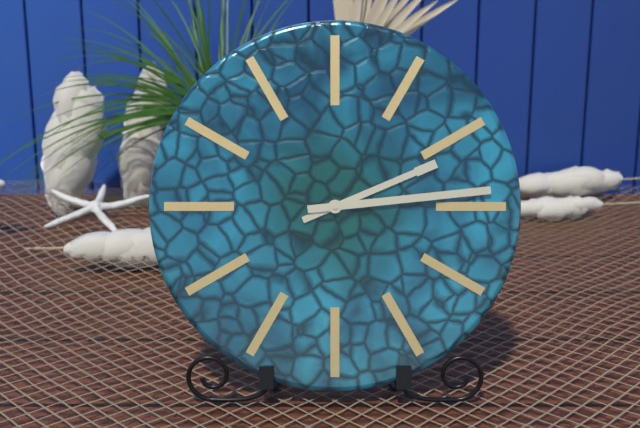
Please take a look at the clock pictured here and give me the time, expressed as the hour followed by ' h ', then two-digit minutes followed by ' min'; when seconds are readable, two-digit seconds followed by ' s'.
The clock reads 2 h 14 min
